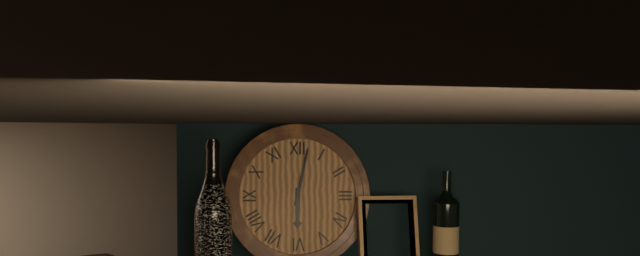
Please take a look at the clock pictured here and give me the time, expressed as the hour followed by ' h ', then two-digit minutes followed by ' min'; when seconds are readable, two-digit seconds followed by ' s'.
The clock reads 6 h 02 min
